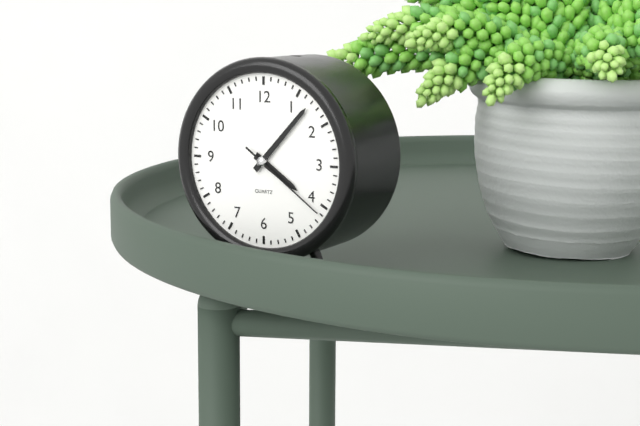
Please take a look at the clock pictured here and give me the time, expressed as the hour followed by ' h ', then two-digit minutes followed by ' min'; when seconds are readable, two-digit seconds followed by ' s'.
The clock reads 4 h 07 min 21 s
